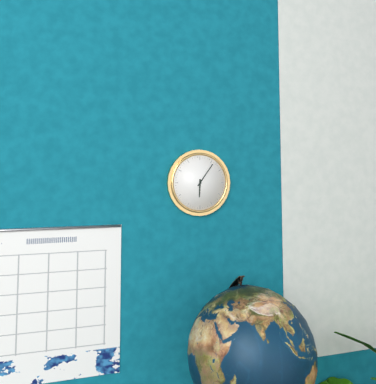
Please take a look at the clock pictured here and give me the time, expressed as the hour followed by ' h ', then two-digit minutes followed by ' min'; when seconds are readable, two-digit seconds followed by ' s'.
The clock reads 6 h 06 min
